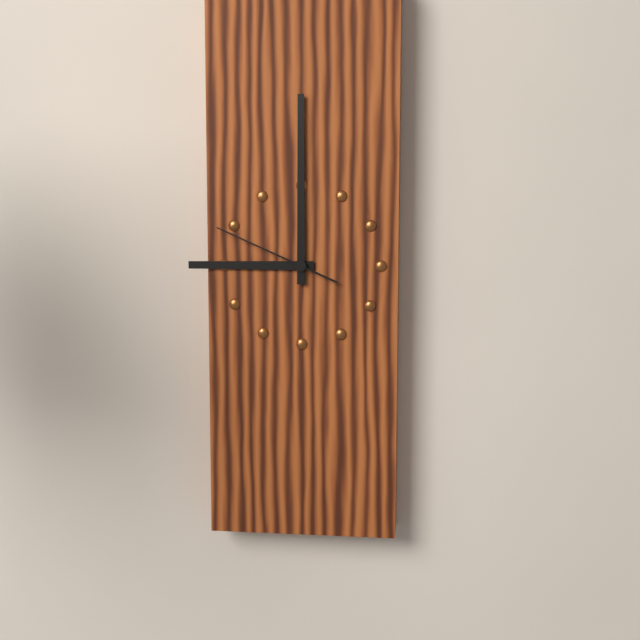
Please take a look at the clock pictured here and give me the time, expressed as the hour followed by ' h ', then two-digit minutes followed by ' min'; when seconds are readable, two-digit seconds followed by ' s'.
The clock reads 9 h 00 min 49 s
